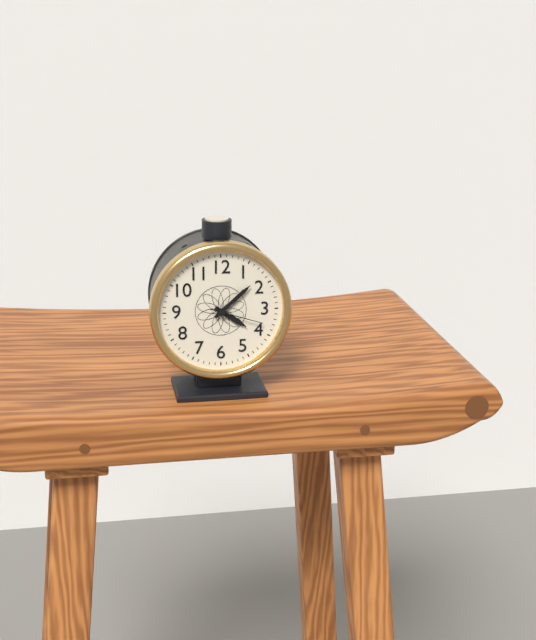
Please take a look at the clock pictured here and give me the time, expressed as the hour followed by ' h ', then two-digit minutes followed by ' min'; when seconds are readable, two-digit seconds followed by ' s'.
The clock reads 4 h 08 min 18 s
